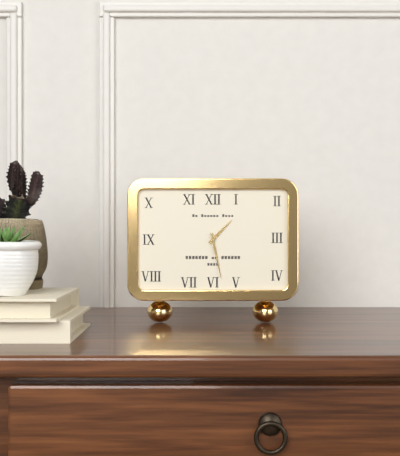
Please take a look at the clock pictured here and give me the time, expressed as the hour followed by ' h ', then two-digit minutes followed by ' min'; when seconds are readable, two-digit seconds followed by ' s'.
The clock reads 1 h 28 min
